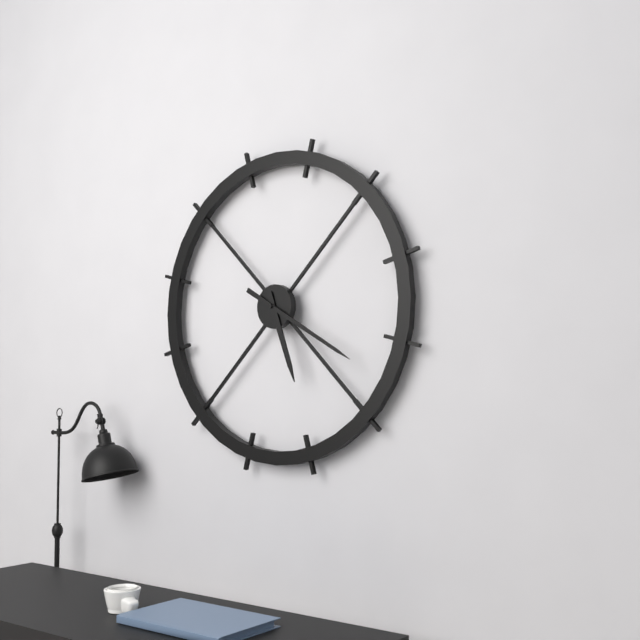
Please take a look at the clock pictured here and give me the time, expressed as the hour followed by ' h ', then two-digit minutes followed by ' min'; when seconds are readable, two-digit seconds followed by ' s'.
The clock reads 5 h 20 min
